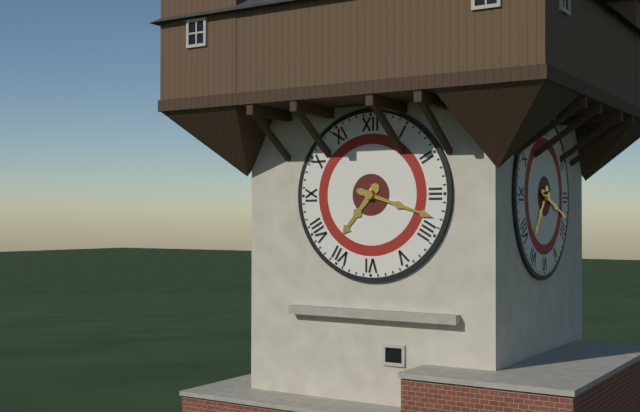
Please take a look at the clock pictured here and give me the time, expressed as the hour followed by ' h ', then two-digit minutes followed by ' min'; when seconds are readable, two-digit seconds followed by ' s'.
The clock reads 7 h 18 min
